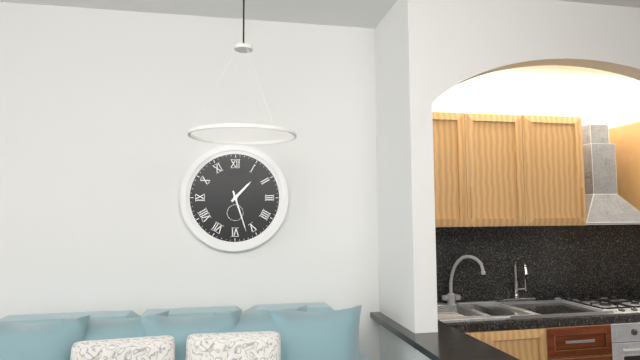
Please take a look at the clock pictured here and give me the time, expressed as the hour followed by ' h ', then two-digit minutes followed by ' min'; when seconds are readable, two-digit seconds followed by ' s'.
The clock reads 1 h 27 min
